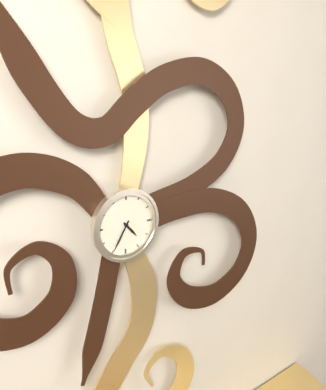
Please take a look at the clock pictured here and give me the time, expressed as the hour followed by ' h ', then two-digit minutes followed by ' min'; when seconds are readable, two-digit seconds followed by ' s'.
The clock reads 4 h 35 min
